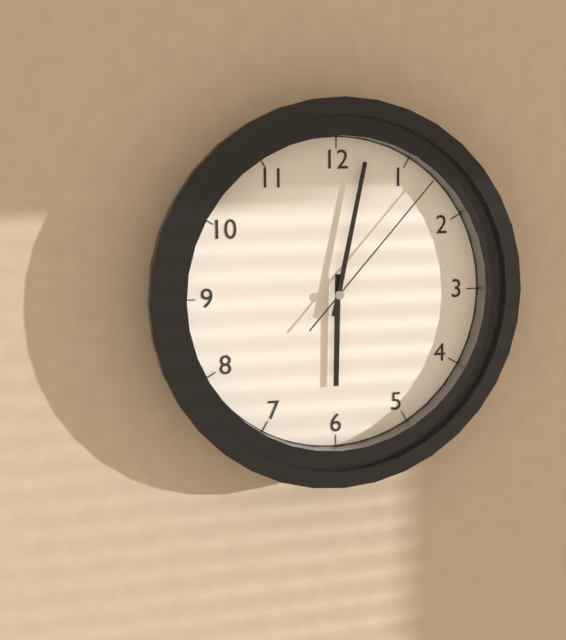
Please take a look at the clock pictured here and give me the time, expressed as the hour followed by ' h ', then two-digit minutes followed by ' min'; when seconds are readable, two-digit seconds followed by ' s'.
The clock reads 6 h 02 min 07 s
